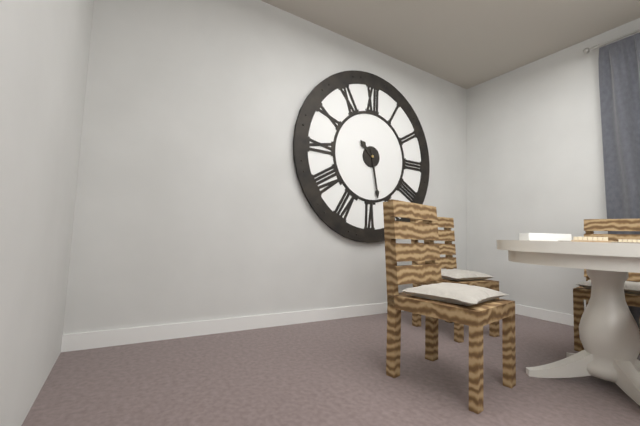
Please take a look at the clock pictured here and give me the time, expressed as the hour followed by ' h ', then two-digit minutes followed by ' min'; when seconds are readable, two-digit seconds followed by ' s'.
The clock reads 10 h 28 min
